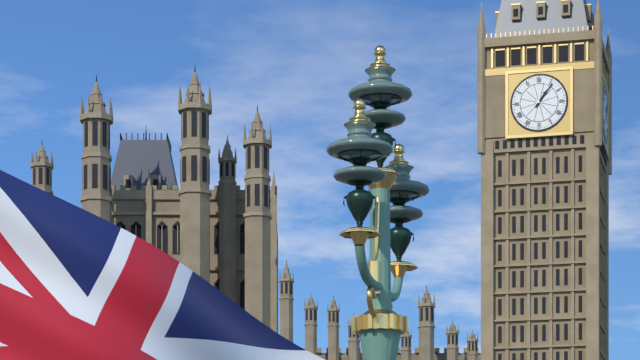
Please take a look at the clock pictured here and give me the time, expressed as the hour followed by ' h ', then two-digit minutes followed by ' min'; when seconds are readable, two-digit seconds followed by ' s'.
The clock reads 1 h 06 min
